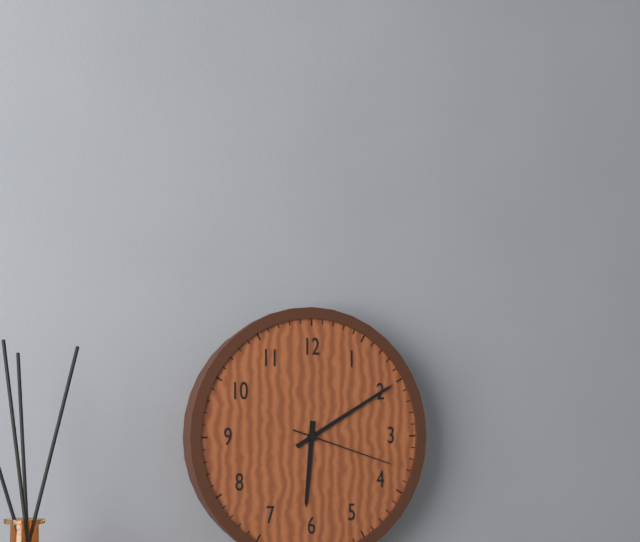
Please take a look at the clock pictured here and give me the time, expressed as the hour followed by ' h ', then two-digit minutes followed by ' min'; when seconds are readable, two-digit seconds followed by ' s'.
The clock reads 6 h 10 min 18 s
